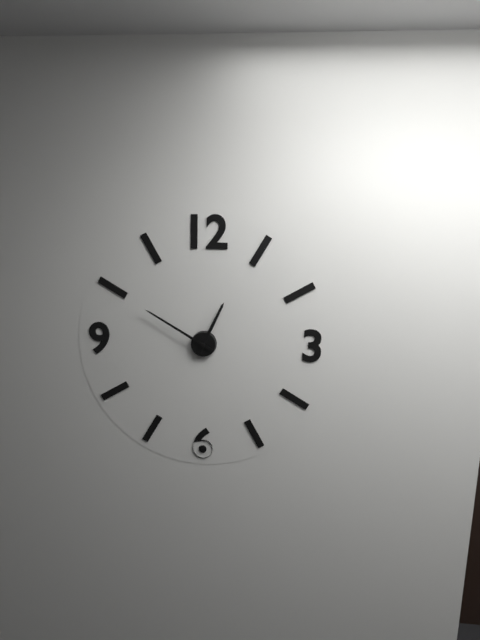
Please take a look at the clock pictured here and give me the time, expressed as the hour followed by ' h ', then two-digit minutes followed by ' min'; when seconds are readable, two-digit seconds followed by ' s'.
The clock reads 12 h 50 min
